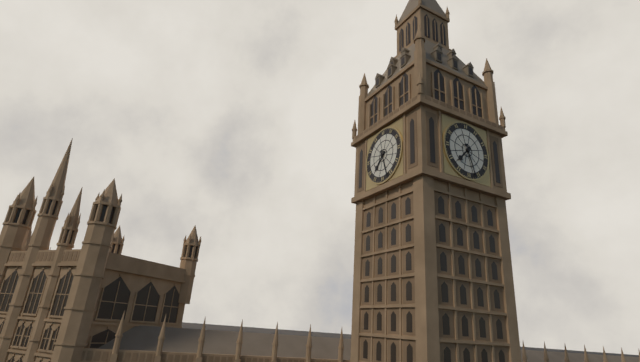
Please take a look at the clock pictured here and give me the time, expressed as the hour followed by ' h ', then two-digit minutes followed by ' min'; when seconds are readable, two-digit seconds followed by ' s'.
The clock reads 7 h 27 min
